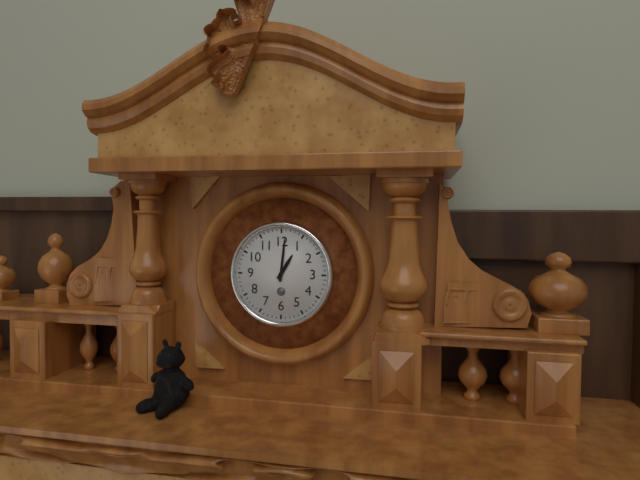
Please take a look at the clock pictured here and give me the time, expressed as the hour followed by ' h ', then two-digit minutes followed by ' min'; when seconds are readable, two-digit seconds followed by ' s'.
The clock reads 1 h 01 min
